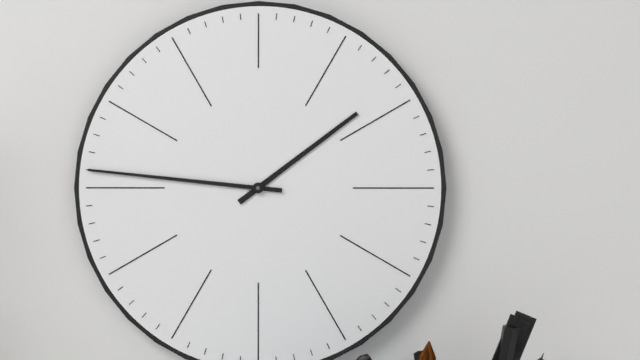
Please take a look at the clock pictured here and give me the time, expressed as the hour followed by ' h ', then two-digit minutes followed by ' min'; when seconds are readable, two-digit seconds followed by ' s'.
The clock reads 1 h 46 min
